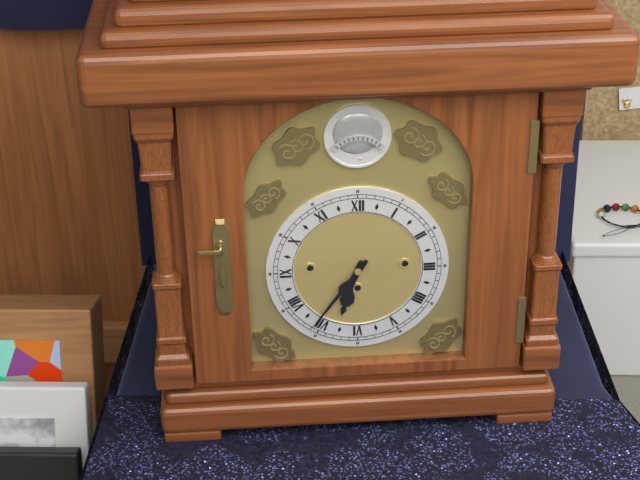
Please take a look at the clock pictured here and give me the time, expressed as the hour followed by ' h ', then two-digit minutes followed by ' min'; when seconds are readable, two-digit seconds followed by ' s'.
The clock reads 6 h 36 min
